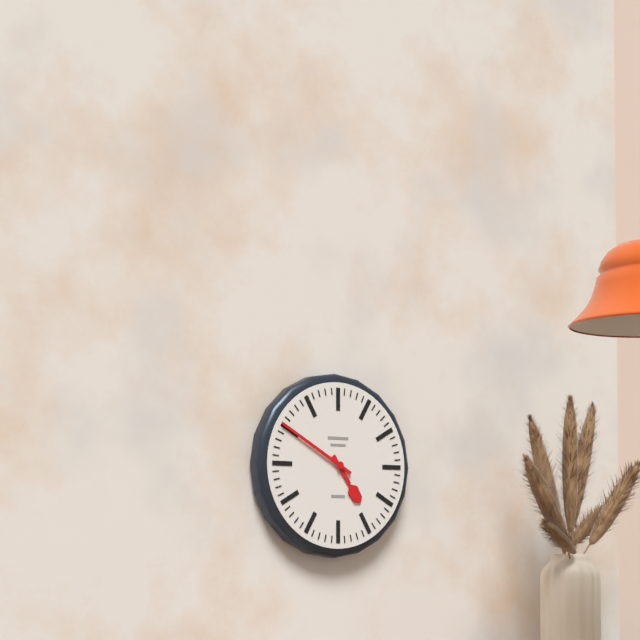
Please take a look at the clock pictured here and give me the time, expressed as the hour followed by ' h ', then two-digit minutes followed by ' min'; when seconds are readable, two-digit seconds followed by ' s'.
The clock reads 4 h 50 min
